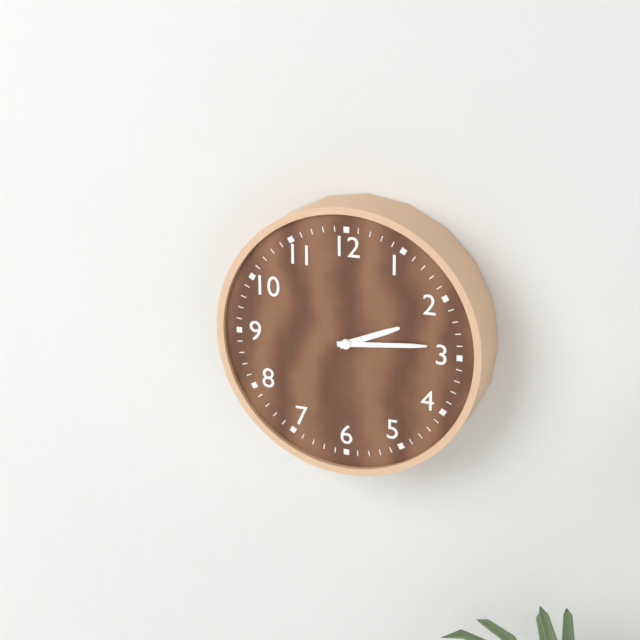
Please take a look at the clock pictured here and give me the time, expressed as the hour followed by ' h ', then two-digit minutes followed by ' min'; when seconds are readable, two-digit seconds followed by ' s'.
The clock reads 2 h 14 min
